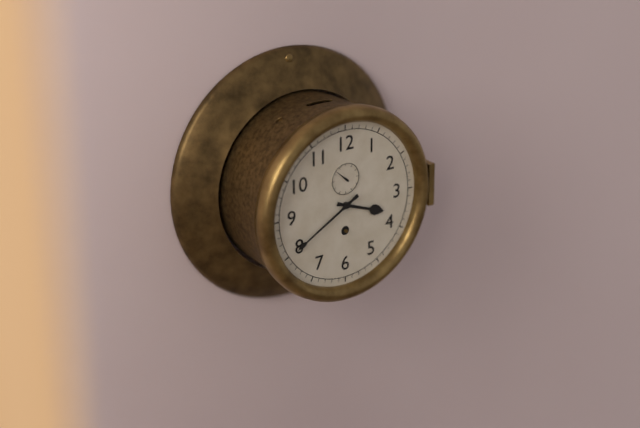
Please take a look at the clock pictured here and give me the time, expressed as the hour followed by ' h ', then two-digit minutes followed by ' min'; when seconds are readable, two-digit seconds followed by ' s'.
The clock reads 3 h 40 min
